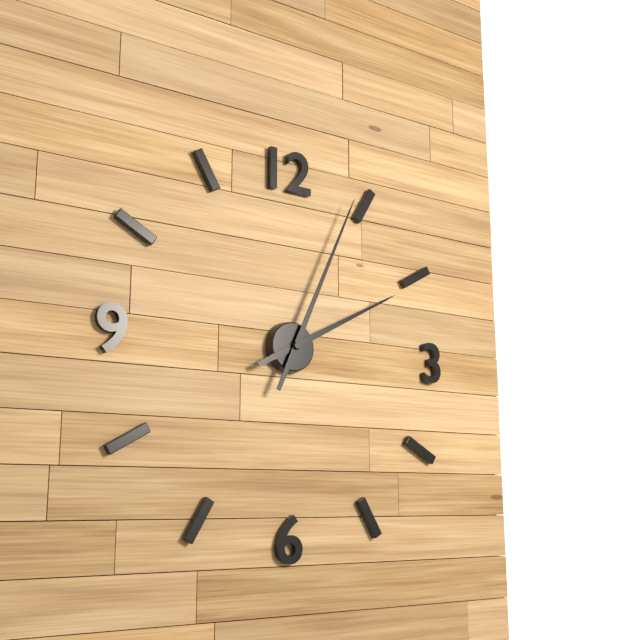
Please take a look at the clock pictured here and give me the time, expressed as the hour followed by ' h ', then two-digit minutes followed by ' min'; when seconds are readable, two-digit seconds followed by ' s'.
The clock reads 2 h 04 min
